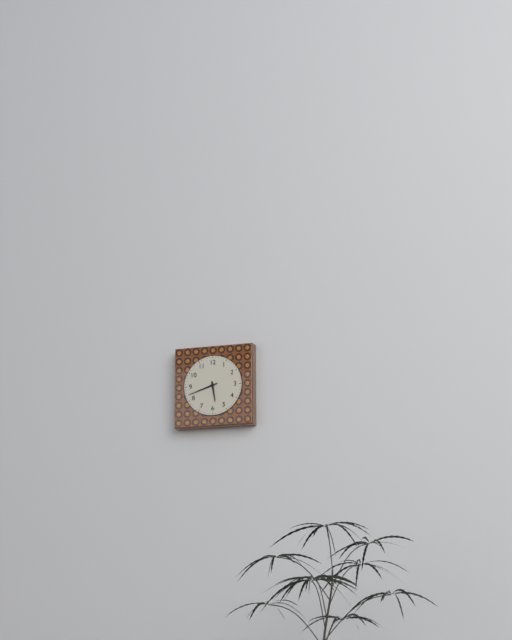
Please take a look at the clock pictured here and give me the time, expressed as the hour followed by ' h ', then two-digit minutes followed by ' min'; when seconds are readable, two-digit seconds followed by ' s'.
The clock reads 5 h 42 min
